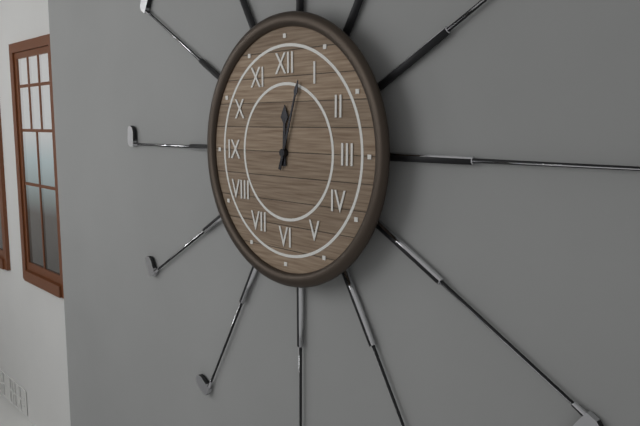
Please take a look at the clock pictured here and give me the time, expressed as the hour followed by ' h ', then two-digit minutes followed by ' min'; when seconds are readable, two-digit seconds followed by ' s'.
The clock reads 12 h 03 min
